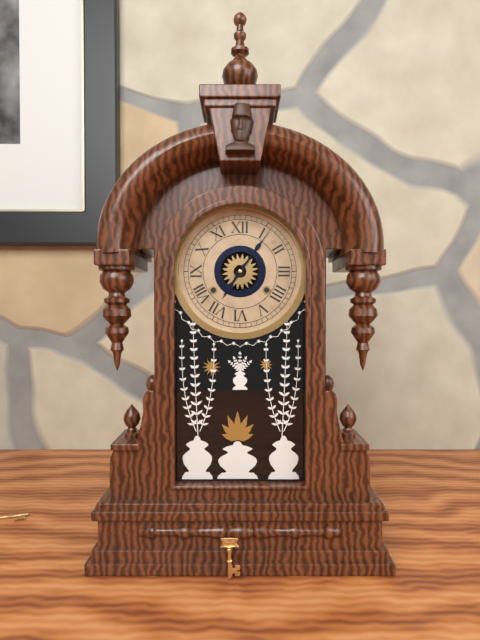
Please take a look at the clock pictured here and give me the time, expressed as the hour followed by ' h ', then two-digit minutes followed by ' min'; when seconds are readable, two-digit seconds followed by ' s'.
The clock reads 7 h 06 min
